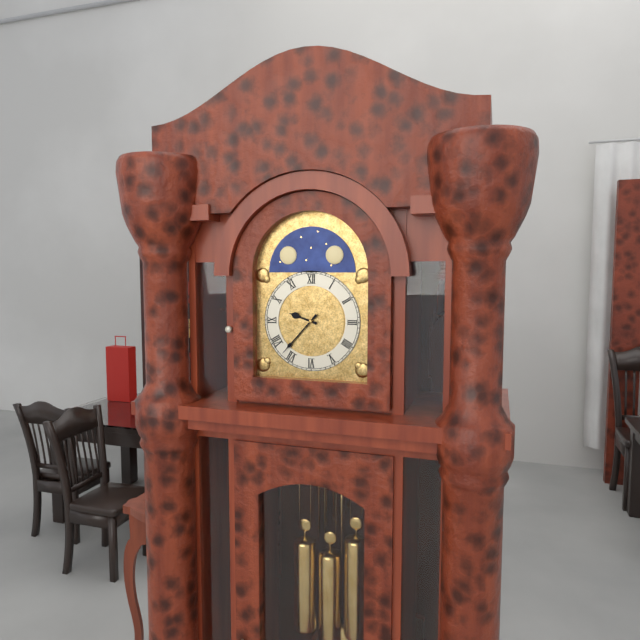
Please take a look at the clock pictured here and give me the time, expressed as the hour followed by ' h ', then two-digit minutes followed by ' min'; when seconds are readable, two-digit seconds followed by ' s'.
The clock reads 9 h 37 min
